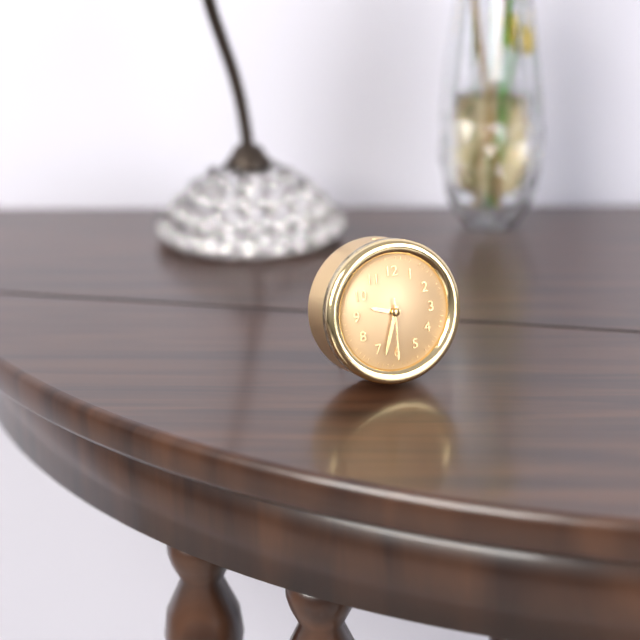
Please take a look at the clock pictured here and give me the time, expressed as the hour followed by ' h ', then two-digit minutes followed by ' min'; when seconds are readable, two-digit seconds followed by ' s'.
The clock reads 9 h 33 min 30 s
